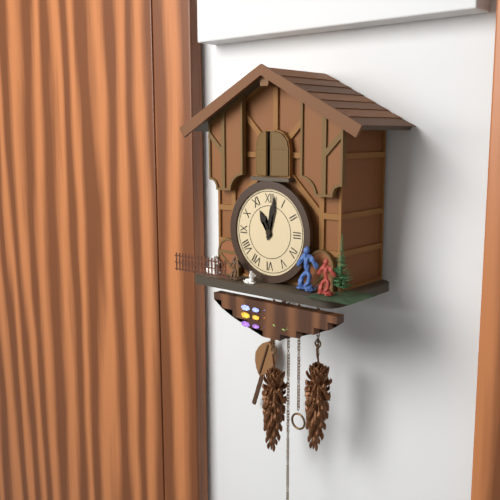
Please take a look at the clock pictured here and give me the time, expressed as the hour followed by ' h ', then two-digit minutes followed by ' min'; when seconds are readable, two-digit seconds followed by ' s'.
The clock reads 11 h 02 min
